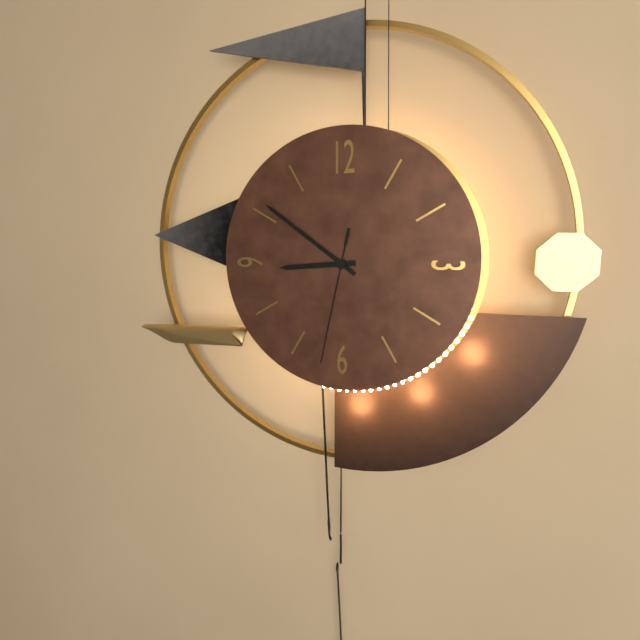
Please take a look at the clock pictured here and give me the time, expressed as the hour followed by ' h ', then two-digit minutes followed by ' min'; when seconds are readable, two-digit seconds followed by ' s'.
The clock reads 8 h 51 min 32 s
